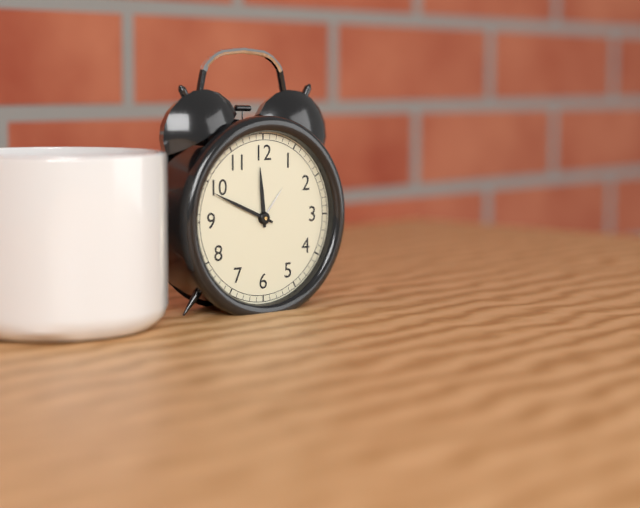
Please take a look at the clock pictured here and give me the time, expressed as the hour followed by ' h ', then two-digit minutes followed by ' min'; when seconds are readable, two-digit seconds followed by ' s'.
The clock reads 11 h 49 min
